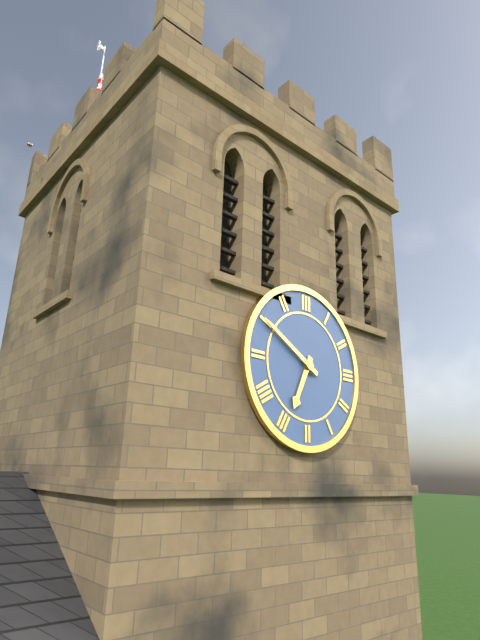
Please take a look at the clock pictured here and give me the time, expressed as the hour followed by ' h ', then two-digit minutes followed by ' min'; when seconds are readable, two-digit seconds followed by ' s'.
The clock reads 6 h 50 min
